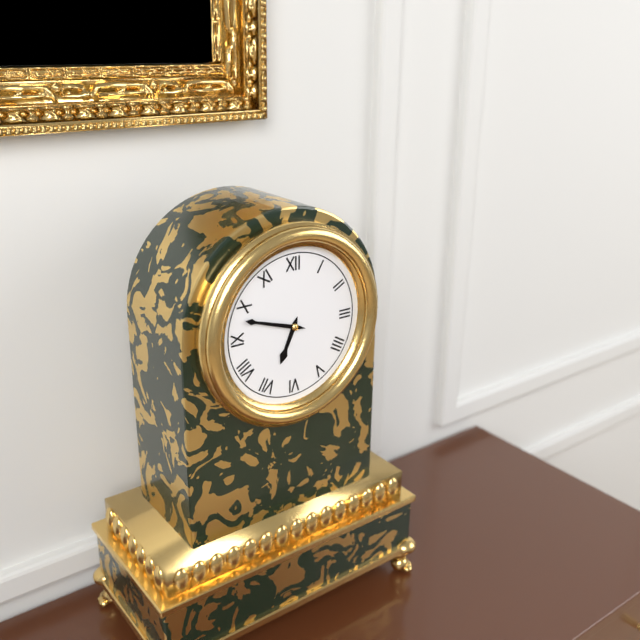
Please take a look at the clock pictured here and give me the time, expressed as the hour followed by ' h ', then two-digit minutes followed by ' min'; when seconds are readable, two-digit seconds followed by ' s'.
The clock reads 6 h 48 min
